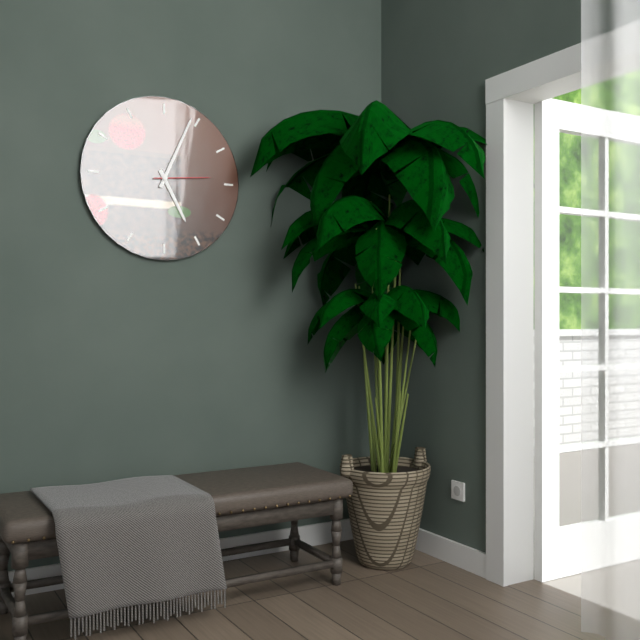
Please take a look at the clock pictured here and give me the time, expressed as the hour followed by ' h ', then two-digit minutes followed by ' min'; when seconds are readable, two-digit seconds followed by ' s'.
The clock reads 5 h 04 min 14 s
